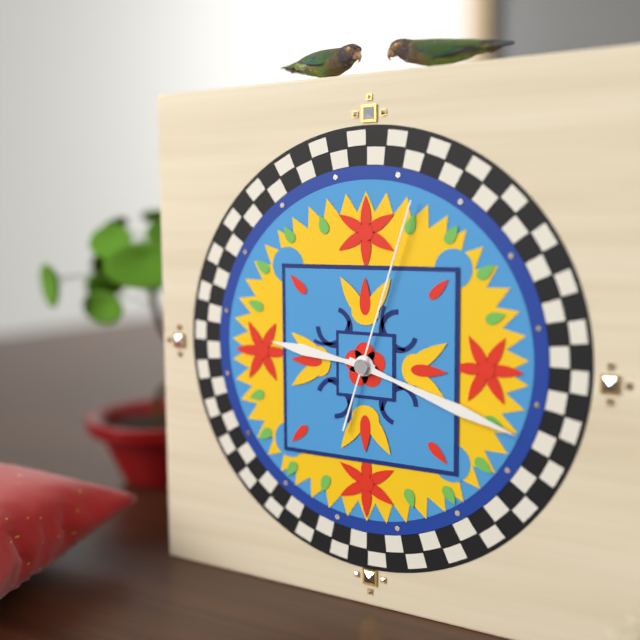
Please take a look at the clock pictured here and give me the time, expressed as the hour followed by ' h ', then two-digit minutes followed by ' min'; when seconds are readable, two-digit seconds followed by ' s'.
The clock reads 9 h 18 min 03 s
